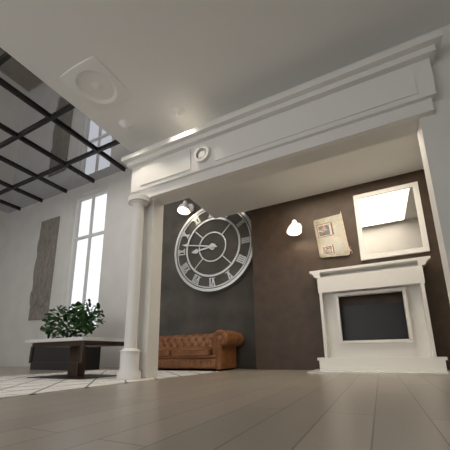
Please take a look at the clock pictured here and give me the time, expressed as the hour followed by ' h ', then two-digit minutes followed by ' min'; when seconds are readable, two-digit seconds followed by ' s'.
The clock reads 8 h 47 min
